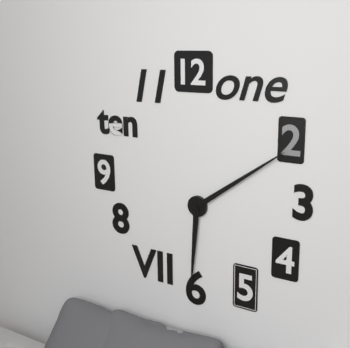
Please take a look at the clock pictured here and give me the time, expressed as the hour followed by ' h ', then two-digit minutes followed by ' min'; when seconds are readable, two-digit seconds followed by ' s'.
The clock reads 6 h 09 min
